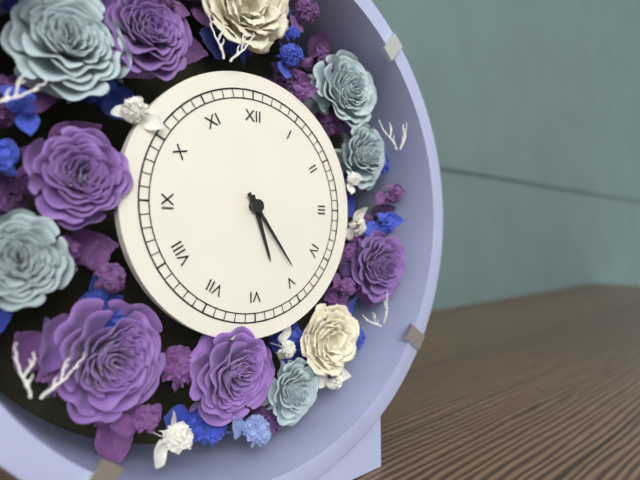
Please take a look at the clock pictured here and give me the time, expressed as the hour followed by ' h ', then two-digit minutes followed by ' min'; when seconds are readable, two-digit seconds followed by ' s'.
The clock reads 5 h 24 min
